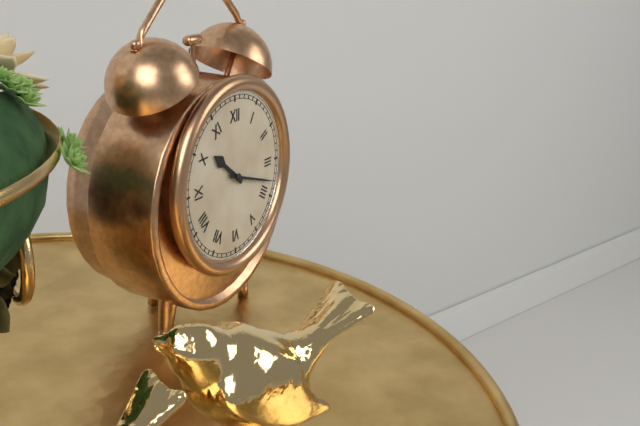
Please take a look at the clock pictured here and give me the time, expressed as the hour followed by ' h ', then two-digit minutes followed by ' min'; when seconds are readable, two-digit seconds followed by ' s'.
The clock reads 10 h 18 min
